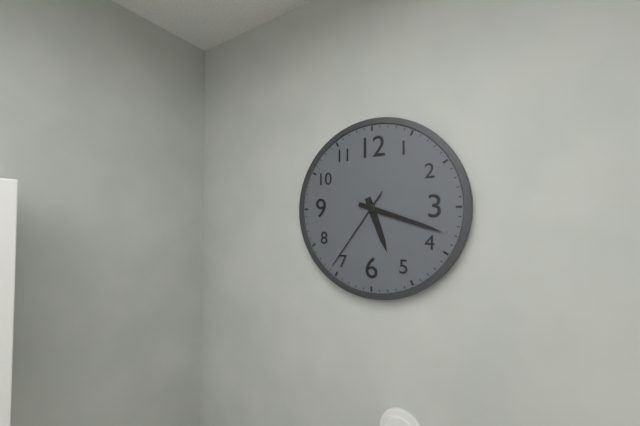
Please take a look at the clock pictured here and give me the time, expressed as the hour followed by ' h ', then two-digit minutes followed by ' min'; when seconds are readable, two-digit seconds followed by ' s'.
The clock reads 5 h 18 min 36 s
